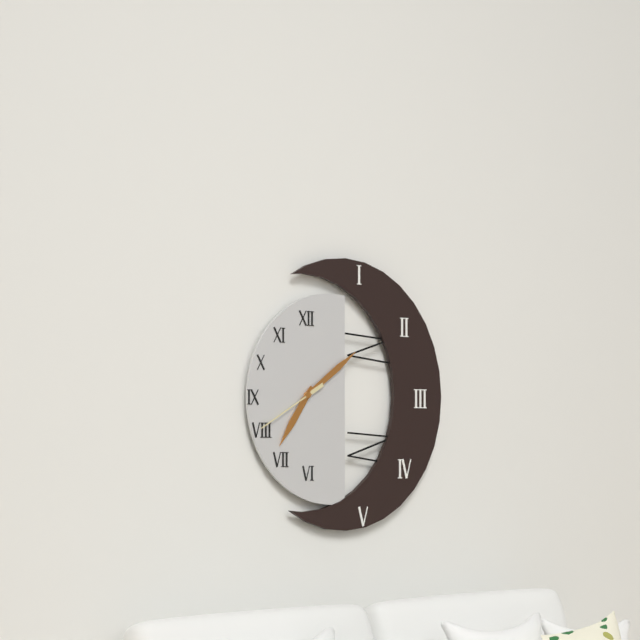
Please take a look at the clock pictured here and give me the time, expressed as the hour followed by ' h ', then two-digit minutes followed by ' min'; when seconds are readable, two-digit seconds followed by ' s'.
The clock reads 7 h 09 min 40 s
